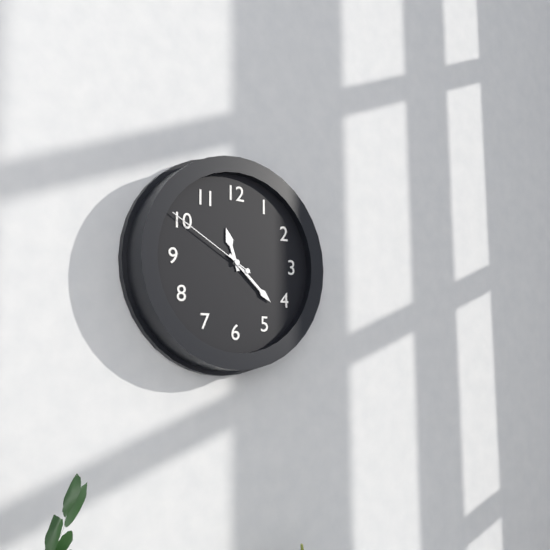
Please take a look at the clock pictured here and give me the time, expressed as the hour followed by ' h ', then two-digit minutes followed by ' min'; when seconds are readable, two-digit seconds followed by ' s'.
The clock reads 11 h 22 min 50 s
